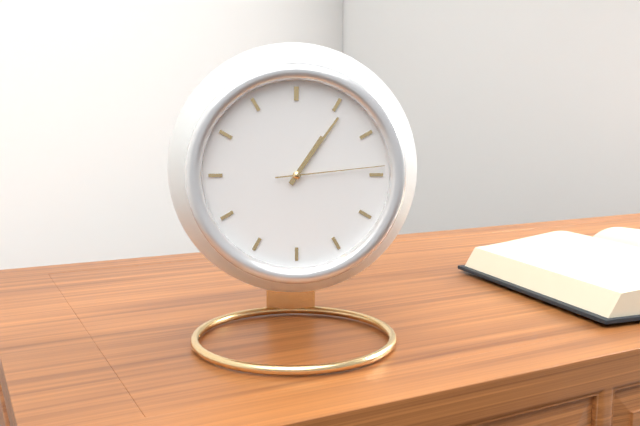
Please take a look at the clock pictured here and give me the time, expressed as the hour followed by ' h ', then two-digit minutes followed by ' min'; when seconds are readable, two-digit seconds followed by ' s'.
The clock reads 1 h 06 min 14 s
